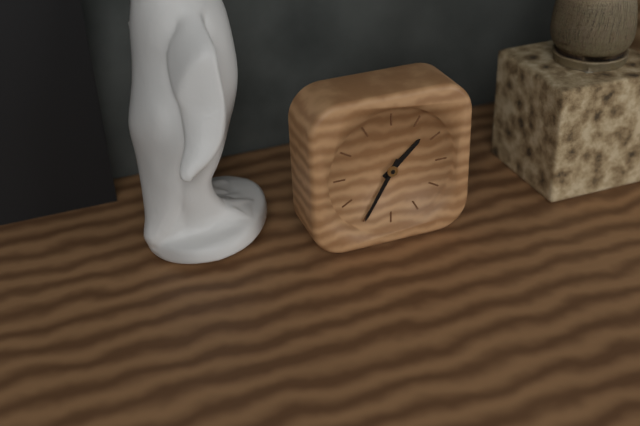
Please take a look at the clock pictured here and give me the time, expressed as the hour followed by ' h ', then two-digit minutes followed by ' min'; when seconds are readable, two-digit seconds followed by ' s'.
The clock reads 1 h 35 min
